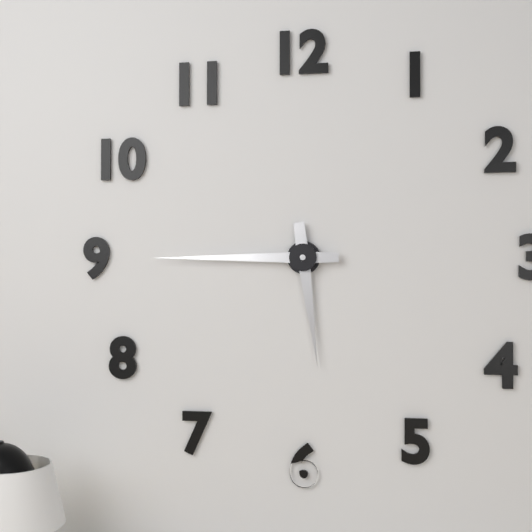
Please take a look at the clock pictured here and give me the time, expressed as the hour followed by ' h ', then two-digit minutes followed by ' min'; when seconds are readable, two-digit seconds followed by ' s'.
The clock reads 5 h 45 min
